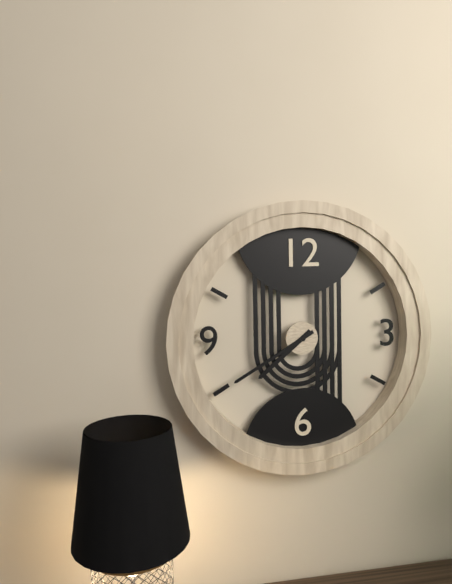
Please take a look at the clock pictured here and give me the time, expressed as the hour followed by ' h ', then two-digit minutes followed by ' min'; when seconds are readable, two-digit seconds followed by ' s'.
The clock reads 7 h 40 min
